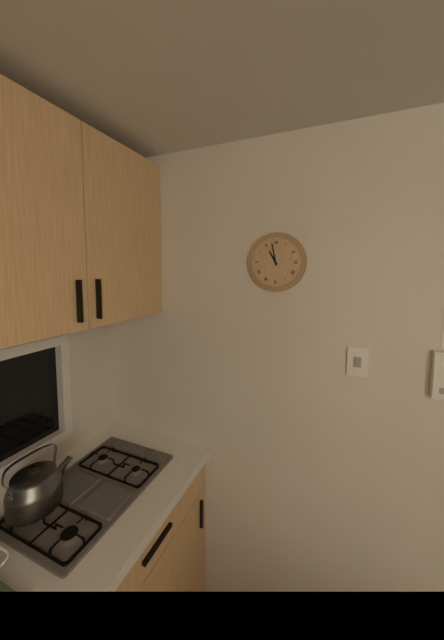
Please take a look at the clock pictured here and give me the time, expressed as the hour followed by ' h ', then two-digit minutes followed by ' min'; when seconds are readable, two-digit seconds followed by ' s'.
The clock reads 10 h 58 min
